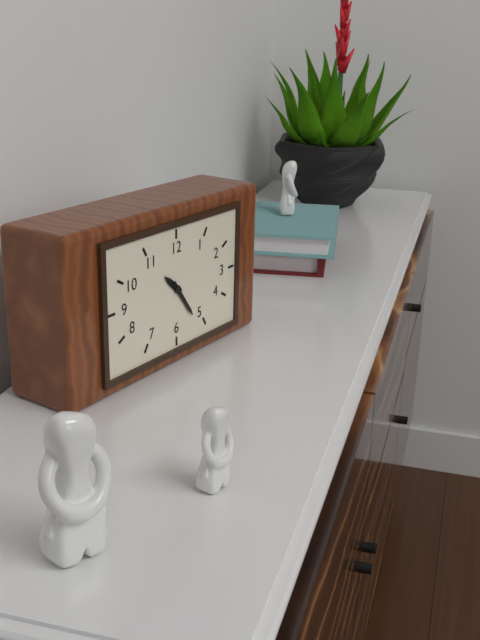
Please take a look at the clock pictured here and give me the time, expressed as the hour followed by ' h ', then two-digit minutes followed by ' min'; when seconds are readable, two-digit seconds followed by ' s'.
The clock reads 10 h 24 min
